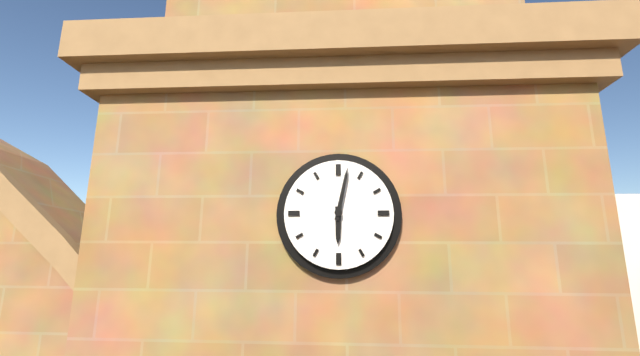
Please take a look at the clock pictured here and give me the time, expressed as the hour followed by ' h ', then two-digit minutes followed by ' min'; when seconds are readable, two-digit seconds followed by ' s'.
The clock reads 6 h 02 min
